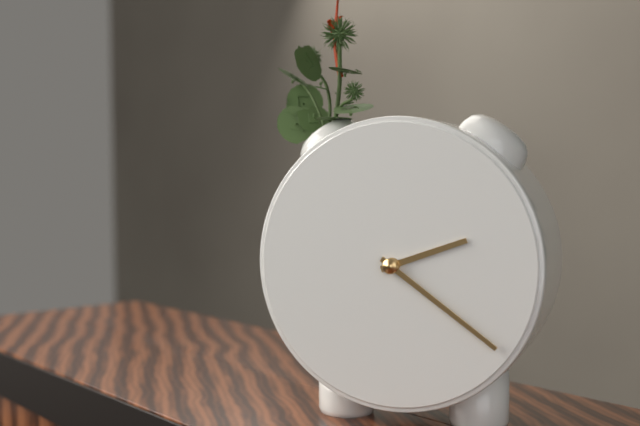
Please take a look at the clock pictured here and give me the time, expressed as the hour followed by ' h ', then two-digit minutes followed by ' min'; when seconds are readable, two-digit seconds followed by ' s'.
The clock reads 2 h 21 min
